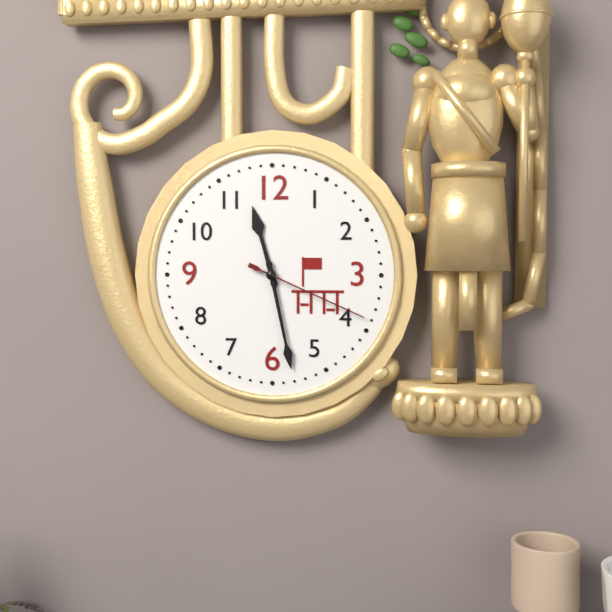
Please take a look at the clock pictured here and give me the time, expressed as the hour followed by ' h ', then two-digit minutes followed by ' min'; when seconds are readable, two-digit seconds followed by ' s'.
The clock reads 11 h 28 min 19 s
